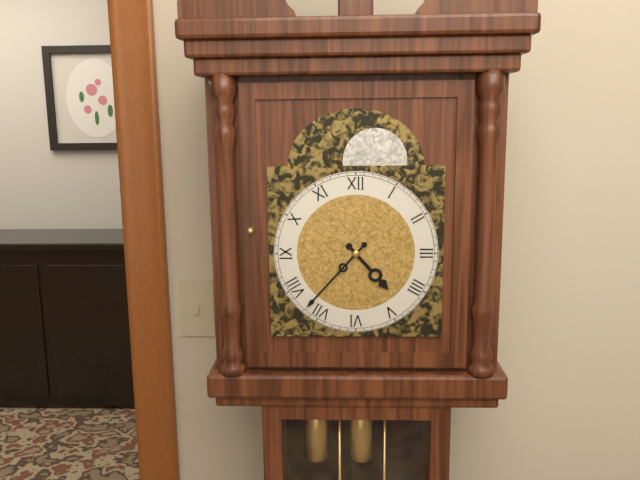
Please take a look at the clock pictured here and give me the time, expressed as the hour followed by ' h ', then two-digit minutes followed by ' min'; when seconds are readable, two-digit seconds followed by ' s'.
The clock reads 4 h 37 min
